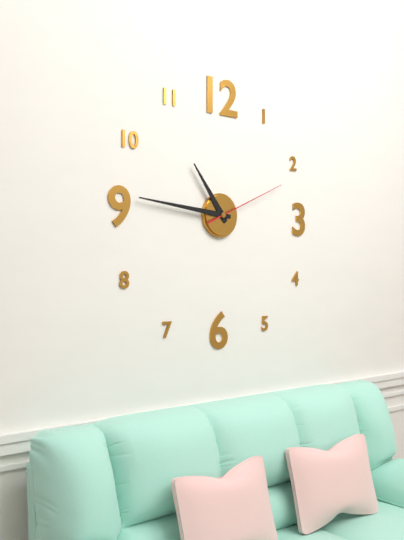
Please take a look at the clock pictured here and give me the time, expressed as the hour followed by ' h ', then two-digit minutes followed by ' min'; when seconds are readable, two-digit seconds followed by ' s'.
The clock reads 10 h 46 min 11 s
